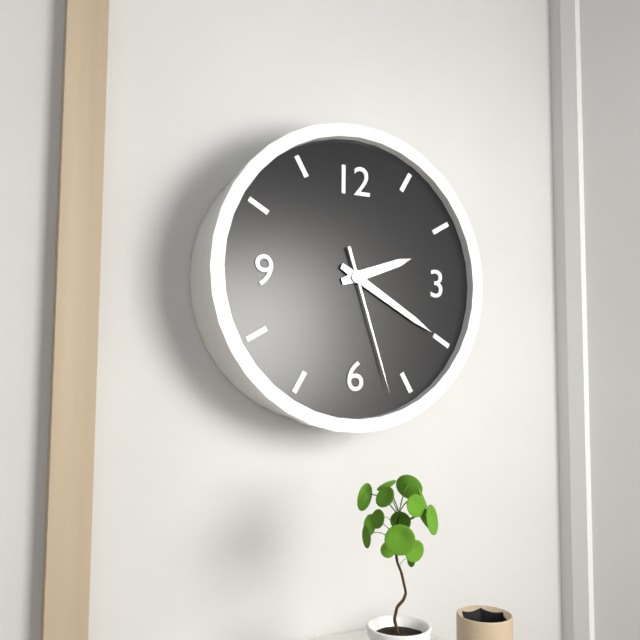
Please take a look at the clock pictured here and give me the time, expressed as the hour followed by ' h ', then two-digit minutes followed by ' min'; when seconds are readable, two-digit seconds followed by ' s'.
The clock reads 2 h 20 min 27 s
